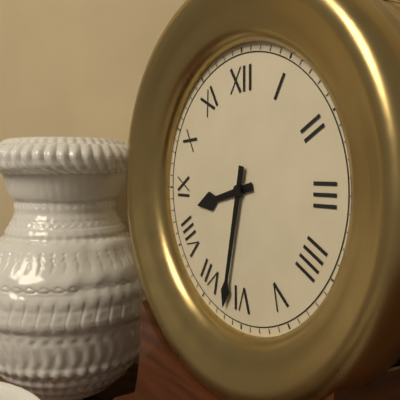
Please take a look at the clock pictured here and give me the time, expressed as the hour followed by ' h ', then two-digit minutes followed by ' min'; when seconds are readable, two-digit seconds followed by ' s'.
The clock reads 8 h 32 min
